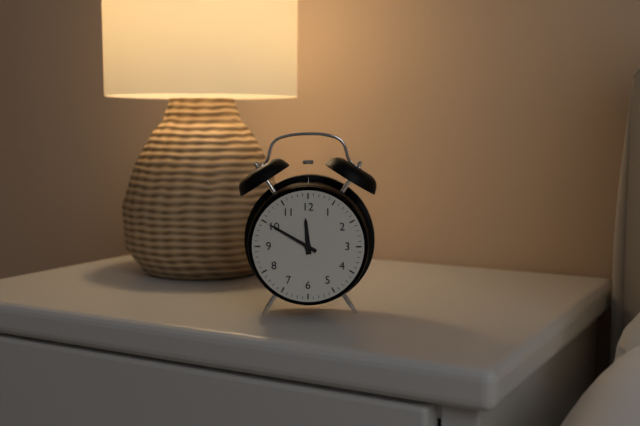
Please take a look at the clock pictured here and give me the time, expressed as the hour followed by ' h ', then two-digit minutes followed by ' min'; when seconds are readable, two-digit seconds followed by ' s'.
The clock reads 11 h 50 min
